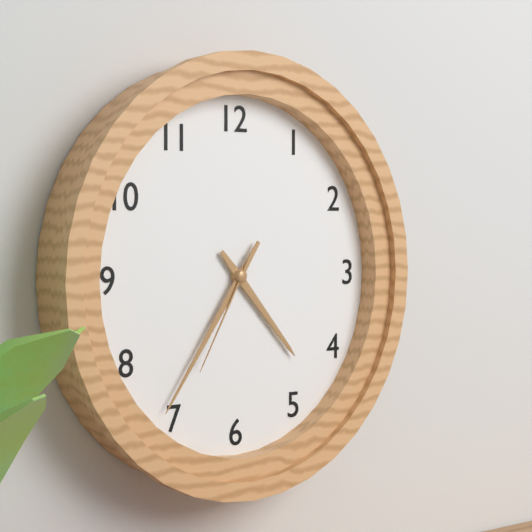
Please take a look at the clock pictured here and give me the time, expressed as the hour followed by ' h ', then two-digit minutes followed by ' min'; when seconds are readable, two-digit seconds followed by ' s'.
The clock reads 4 h 36 min 35 s
